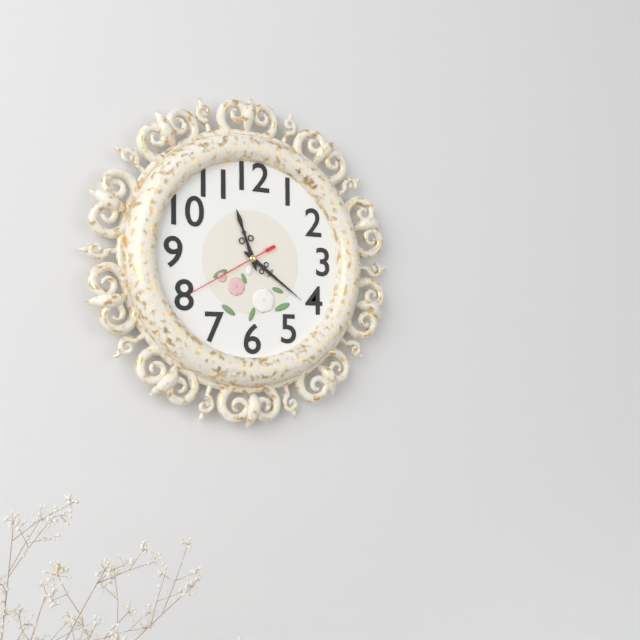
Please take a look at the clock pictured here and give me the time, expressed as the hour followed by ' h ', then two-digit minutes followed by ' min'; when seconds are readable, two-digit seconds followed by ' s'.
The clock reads 11 h 21 min 40 s
